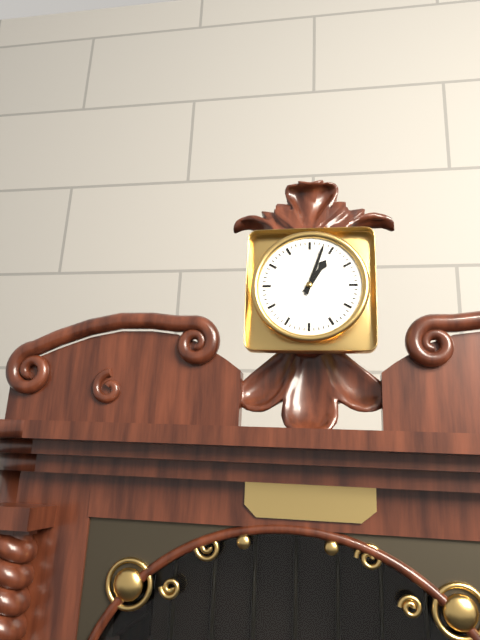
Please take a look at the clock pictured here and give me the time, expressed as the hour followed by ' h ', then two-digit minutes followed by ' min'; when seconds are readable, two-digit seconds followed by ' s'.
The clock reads 1 h 03 min
